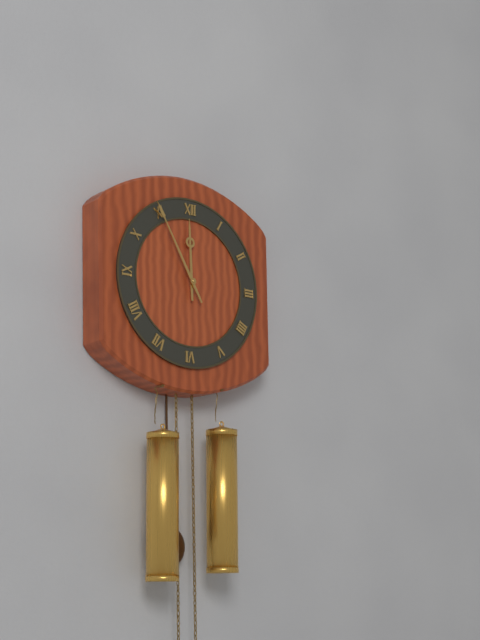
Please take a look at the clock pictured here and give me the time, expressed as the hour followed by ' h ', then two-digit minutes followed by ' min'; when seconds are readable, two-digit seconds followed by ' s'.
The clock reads 11 h 55 min
